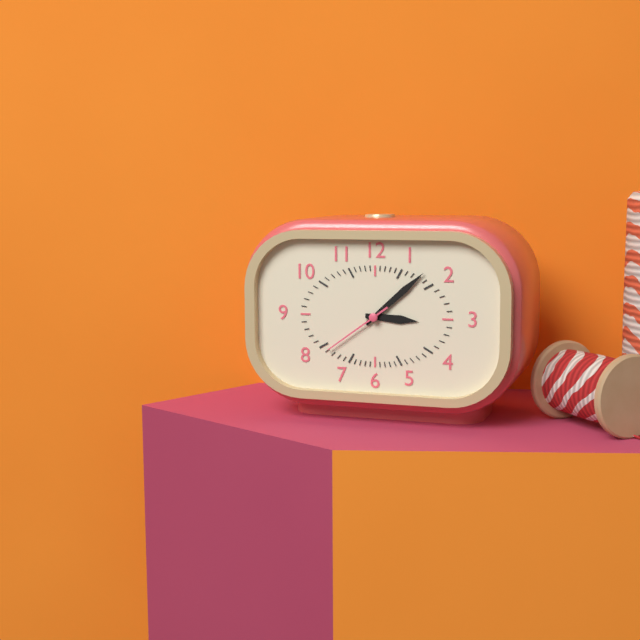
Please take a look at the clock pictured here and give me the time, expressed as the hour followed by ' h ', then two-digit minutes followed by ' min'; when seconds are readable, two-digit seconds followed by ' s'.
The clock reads 3 h 08 min 39 s
